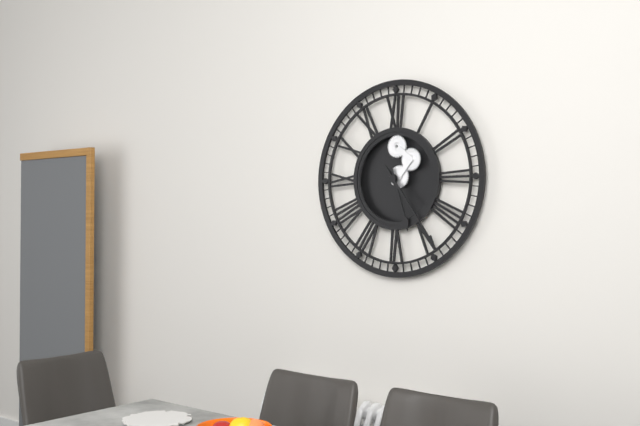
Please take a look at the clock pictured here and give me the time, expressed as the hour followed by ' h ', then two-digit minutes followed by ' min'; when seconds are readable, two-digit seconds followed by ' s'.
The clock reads 5 h 24 min
